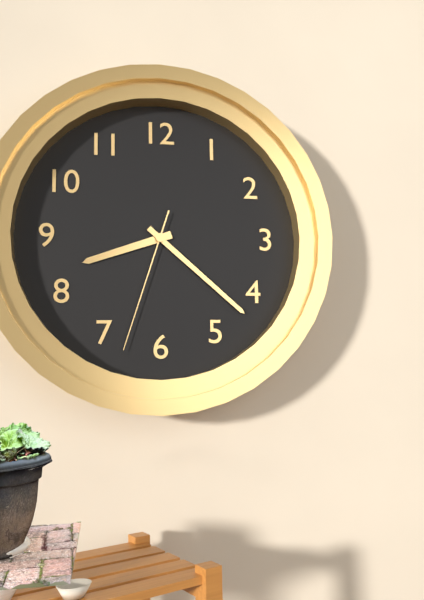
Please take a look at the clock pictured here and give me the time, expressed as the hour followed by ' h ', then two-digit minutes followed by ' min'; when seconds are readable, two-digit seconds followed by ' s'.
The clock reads 8 h 22 min 33 s
